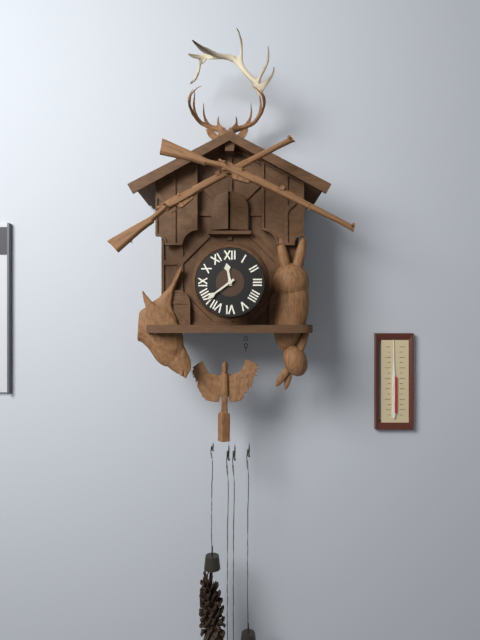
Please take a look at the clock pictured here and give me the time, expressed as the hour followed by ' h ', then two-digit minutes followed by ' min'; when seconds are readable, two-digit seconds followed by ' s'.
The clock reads 11 h 39 min
